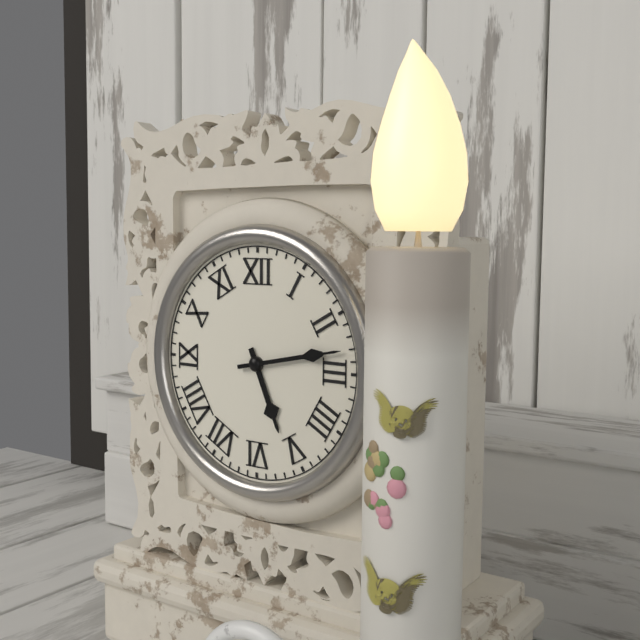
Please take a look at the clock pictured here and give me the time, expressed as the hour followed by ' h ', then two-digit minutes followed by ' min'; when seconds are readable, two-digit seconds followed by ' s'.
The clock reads 5 h 13 min
